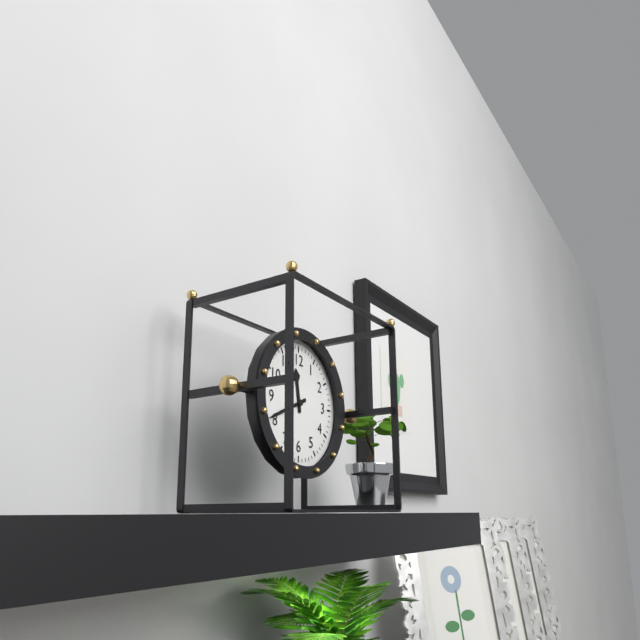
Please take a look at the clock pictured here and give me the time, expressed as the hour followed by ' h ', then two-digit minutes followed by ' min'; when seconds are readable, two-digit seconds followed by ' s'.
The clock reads 11 h 41 min
